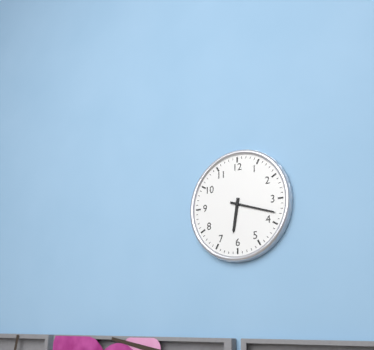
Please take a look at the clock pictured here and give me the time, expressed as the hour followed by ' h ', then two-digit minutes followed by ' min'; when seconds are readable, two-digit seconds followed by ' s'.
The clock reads 6 h 18 min
